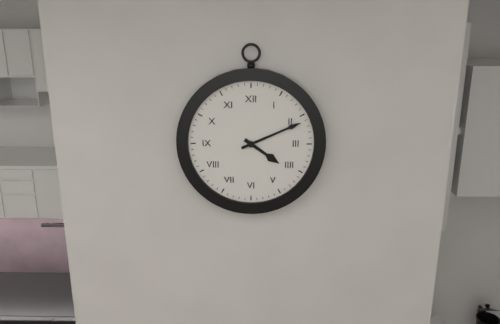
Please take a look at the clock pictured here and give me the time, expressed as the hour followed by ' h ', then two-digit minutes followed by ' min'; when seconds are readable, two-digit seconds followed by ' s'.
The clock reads 4 h 11 min
